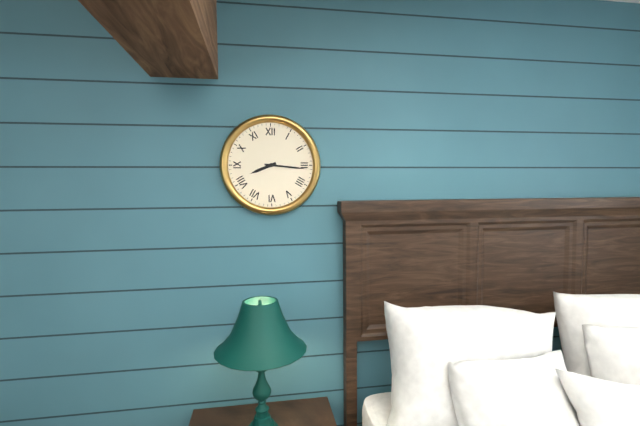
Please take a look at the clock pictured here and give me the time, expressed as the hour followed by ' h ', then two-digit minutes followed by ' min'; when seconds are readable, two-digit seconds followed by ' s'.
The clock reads 8 h 16 min
